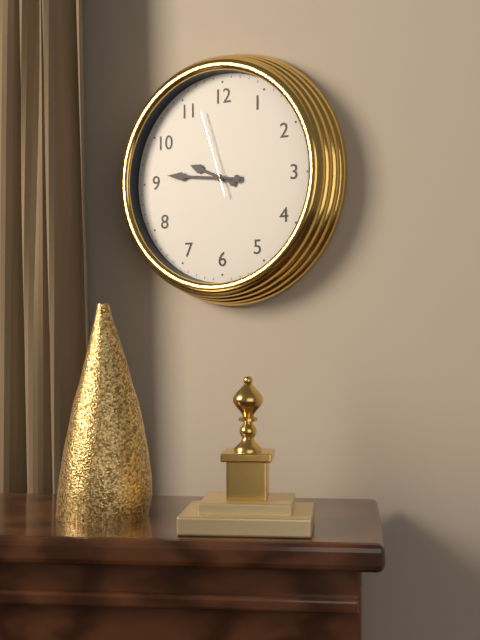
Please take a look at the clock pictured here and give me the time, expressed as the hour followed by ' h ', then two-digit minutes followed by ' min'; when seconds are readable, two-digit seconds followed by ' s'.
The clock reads 9 h 46 min 57 s
